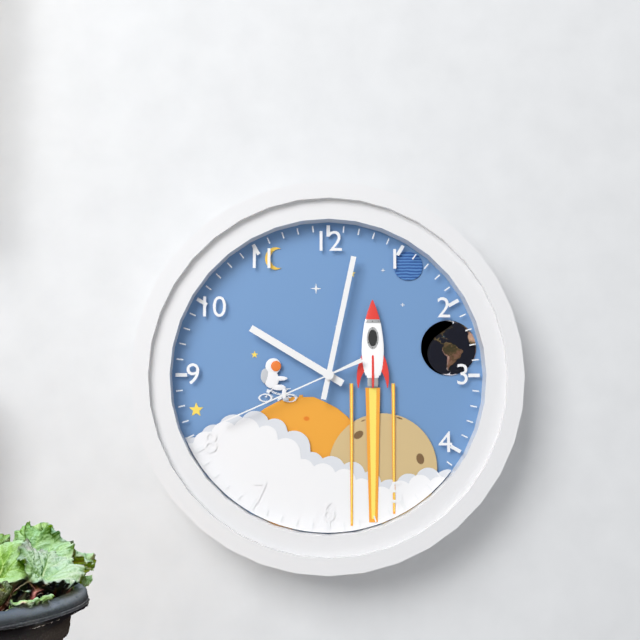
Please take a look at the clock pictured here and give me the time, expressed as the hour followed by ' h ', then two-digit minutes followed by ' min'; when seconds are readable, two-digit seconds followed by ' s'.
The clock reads 10 h 02 min 41 s
